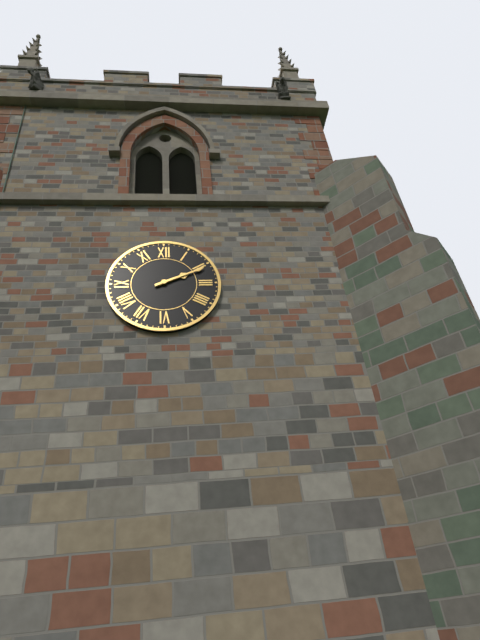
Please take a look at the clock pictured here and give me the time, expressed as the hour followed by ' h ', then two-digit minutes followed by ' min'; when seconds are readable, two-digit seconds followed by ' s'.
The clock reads 2 h 11 min
